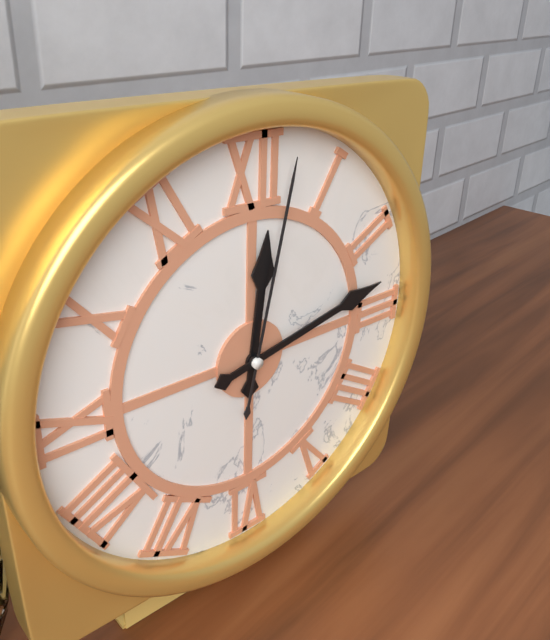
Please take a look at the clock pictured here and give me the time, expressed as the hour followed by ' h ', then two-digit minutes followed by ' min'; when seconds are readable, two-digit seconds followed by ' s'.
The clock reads 12 h 13 min 02 s
